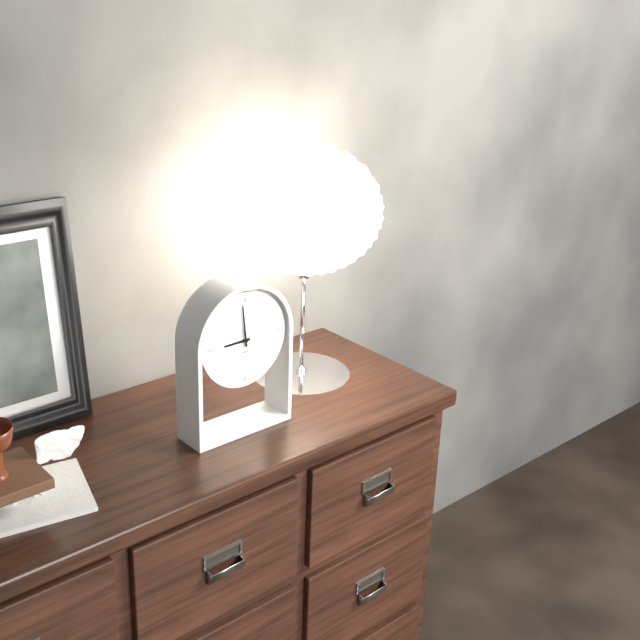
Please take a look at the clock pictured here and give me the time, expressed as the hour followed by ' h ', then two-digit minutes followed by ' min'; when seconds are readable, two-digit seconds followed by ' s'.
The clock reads 8 h 59 min
